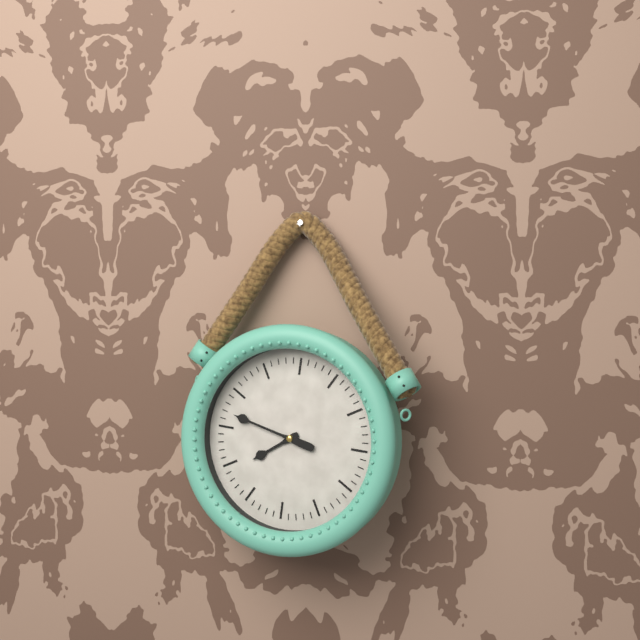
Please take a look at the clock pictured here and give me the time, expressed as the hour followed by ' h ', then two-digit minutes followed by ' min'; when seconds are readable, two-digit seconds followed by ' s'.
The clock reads 7 h 47 min
